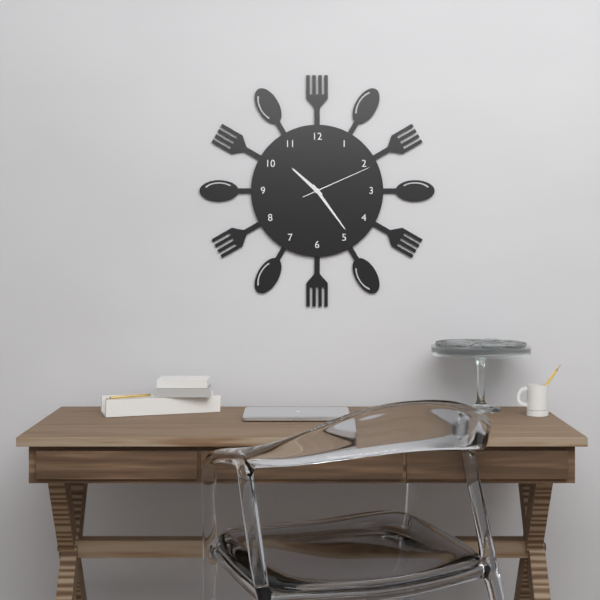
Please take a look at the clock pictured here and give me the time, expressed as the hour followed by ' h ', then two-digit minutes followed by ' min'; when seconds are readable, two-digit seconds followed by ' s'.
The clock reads 10 h 24 min 11 s
